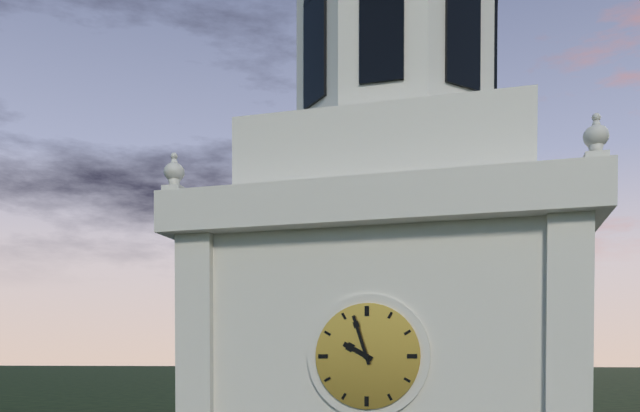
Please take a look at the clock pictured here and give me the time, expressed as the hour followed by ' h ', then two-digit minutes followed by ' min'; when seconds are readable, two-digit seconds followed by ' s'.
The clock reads 9 h 57 min
